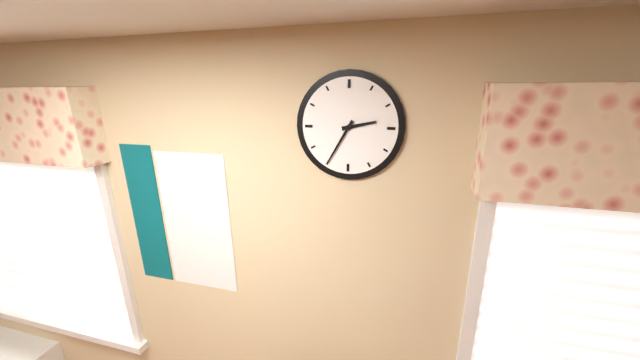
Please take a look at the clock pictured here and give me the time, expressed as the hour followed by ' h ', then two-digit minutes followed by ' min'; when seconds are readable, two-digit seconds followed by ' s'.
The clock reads 2 h 35 min
